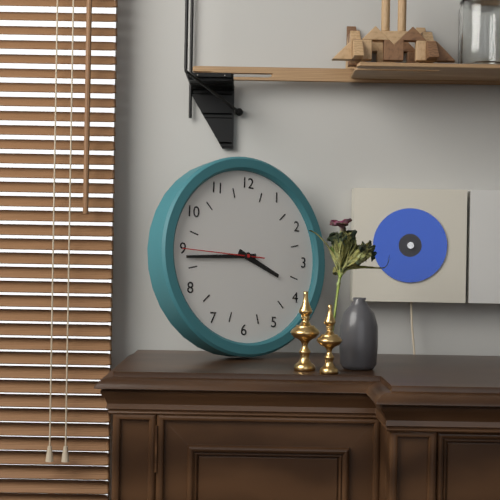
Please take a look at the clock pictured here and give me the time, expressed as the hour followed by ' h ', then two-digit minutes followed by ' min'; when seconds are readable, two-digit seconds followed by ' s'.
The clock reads 3 h 44 min 45 s
